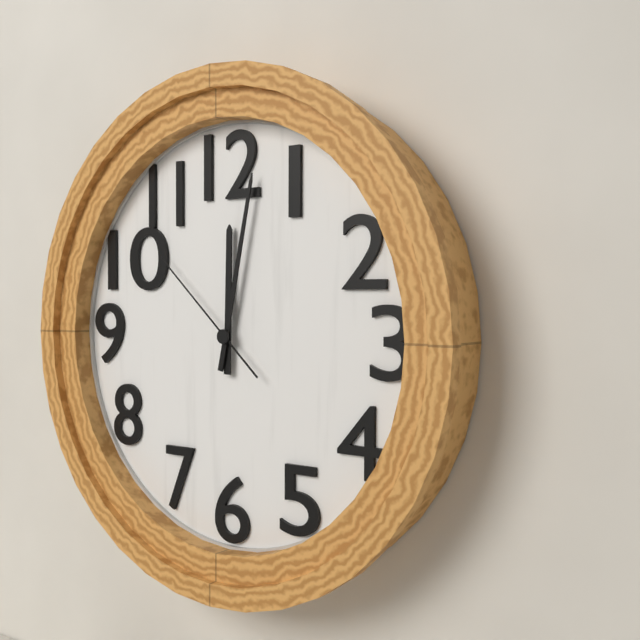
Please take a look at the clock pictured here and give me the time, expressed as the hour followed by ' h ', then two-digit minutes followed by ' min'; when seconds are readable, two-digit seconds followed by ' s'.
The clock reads 12 h 02 min 52 s
